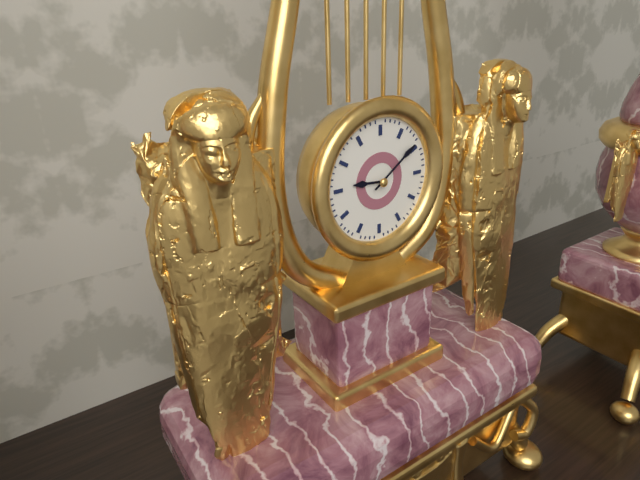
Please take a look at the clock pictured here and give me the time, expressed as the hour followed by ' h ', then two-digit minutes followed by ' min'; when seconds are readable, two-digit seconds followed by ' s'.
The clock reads 9 h 09 min
